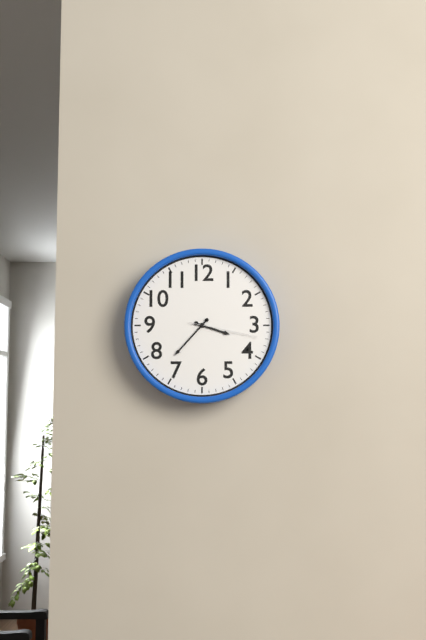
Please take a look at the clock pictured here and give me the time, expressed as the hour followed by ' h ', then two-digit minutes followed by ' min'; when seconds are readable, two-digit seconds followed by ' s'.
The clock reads 3 h 37 min 17 s
